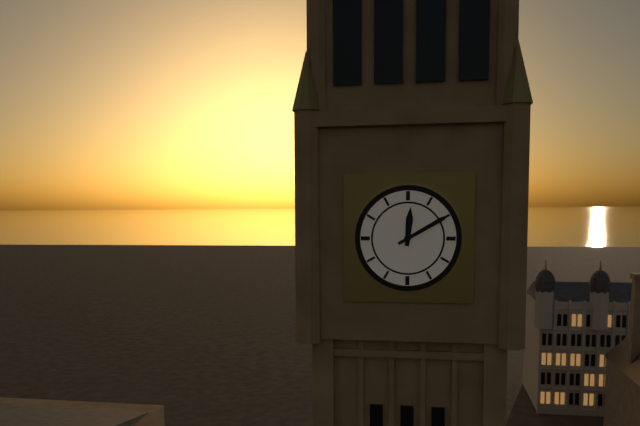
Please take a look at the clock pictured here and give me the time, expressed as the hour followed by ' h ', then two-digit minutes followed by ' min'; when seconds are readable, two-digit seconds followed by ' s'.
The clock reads 12 h 10 min
